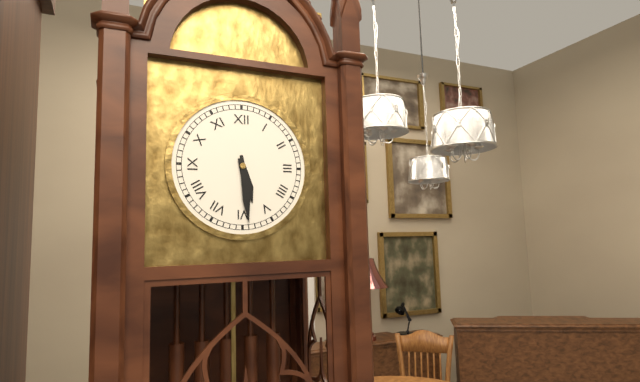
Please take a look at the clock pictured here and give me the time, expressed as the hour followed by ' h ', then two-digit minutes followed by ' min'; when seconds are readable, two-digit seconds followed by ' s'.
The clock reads 5 h 29 min
